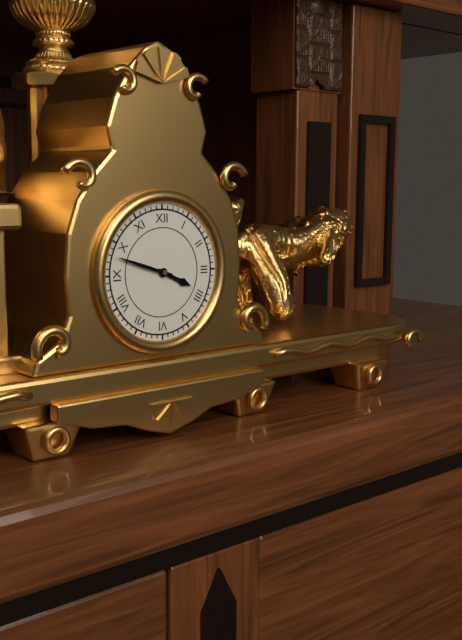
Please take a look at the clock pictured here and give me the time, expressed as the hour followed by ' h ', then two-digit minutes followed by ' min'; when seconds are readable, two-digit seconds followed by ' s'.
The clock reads 3 h 48 min
